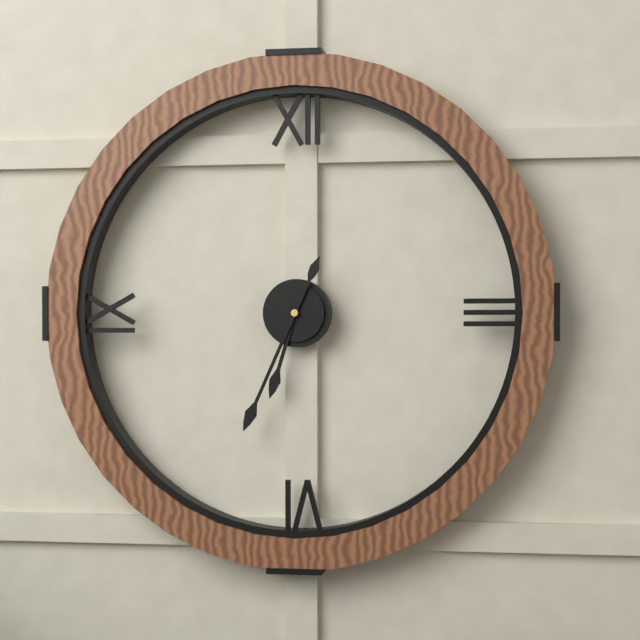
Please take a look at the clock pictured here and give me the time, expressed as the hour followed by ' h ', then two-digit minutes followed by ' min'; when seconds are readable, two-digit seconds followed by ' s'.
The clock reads 6 h 34 min
